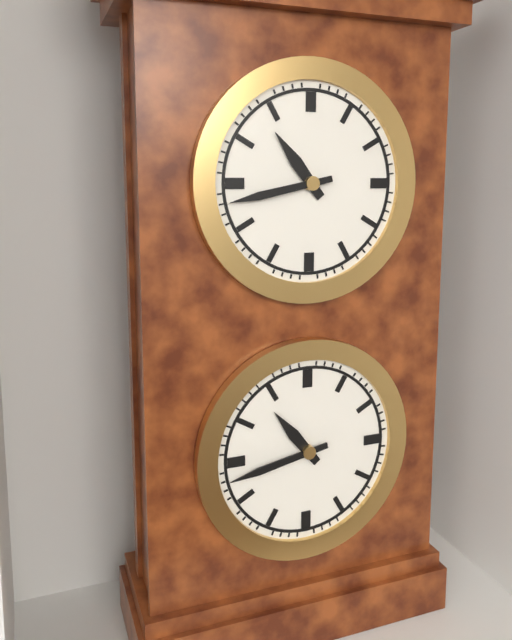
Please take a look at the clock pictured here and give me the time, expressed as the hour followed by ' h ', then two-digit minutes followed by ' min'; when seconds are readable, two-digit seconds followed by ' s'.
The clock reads 10 h 43 min
